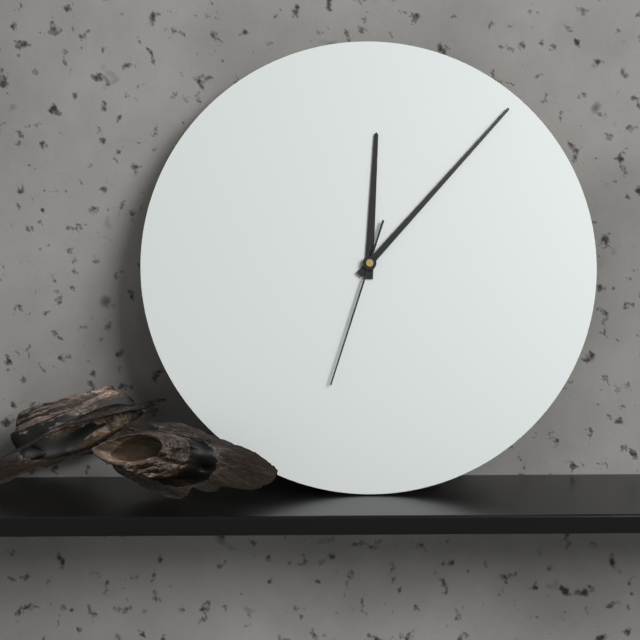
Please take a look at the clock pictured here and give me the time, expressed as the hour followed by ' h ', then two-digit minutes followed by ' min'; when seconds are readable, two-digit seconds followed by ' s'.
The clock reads 12 h 07 min 33 s
